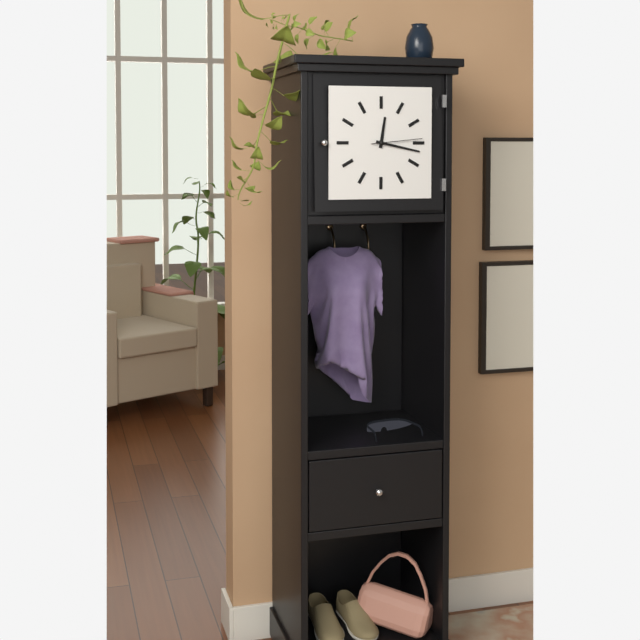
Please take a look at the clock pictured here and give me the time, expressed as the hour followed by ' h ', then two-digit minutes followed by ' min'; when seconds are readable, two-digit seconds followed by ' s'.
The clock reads 12 h 17 min 14 s
